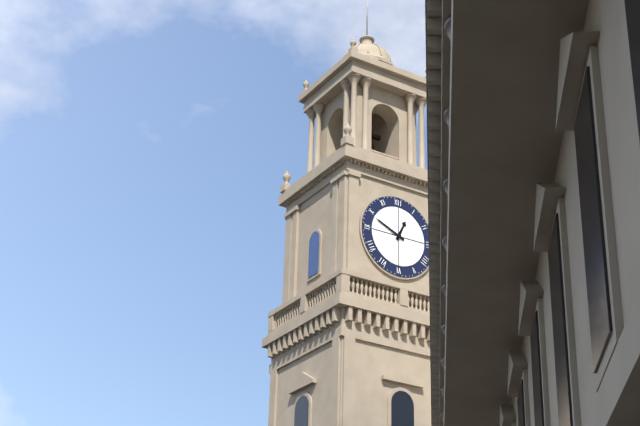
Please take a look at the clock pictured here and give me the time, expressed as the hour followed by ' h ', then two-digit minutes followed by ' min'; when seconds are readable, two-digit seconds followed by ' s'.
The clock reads 12 h 49 min
